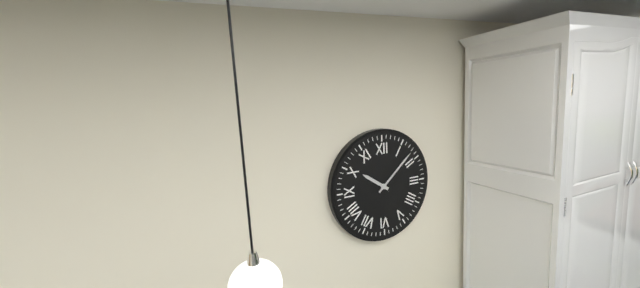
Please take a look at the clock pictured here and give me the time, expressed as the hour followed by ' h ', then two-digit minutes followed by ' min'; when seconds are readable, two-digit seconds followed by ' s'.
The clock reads 10 h 08 min
